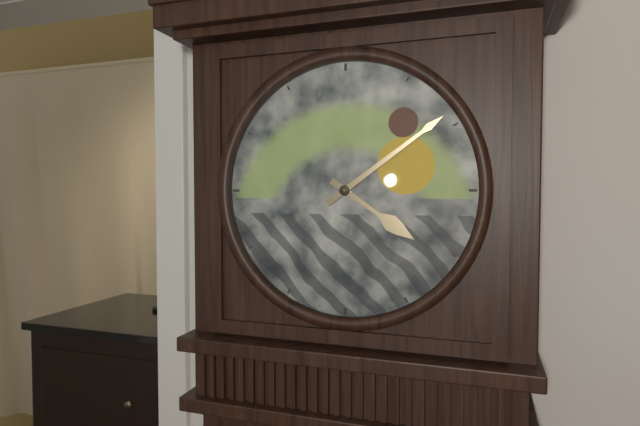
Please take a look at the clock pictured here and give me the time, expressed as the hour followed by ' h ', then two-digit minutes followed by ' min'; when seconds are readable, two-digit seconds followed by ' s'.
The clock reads 4 h 09 min
